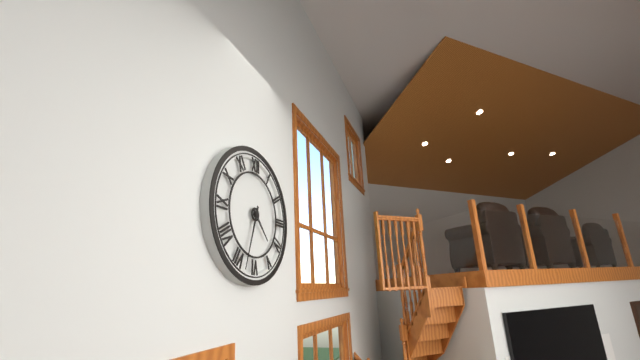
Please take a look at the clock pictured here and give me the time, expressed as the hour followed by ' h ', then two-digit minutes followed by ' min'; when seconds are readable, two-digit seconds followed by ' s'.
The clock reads 4 h 33 min
